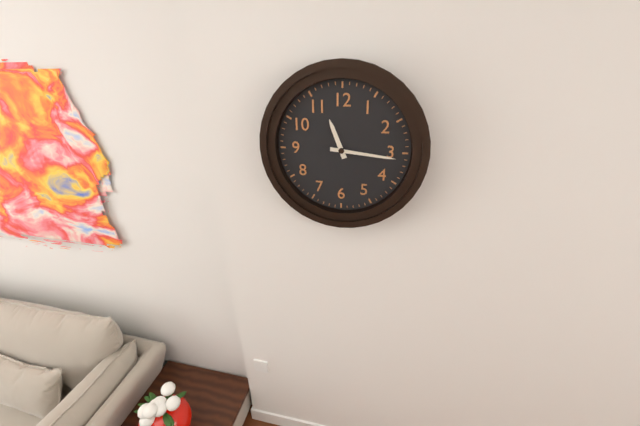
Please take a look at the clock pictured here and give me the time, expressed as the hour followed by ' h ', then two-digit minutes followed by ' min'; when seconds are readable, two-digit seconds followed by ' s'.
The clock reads 11 h 16 min
